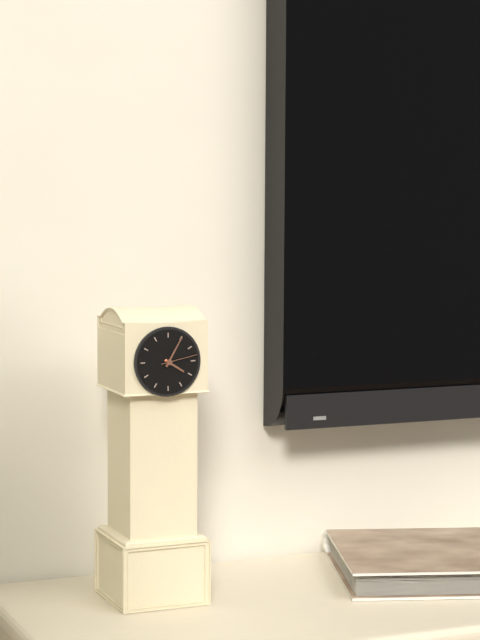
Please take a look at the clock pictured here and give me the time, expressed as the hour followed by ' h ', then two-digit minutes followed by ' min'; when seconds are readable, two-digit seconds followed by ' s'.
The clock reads 4 h 05 min
